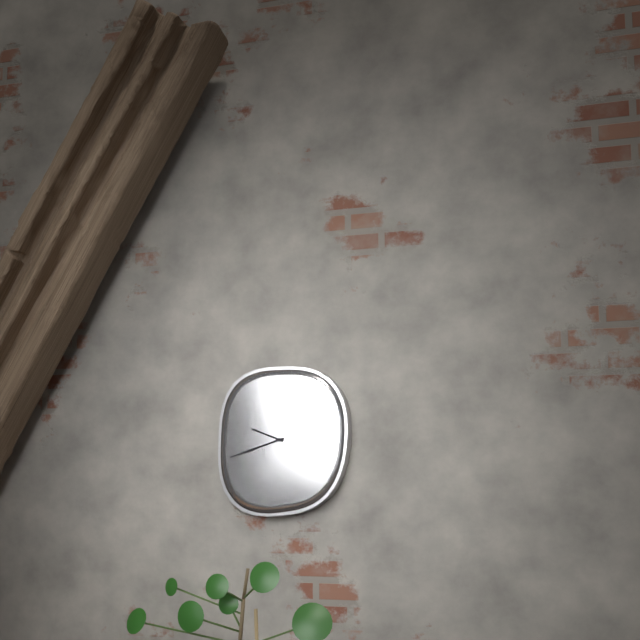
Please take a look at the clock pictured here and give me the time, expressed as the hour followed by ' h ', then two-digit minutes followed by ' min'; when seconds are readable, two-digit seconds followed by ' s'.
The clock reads 9 h 42 min
